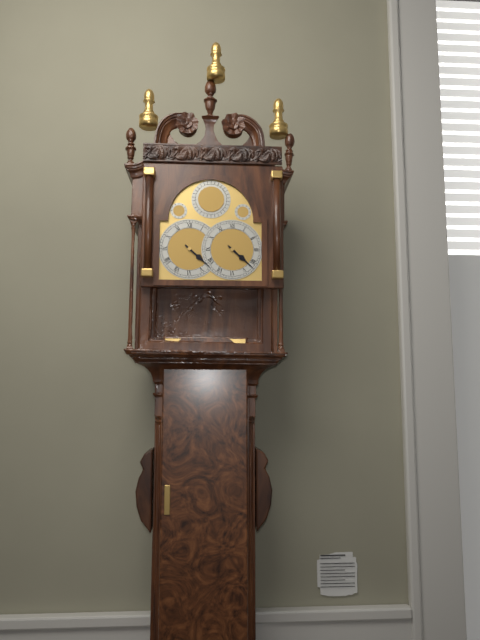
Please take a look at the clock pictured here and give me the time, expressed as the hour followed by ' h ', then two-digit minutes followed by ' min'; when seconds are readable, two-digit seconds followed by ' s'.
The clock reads 4 h 22 min
